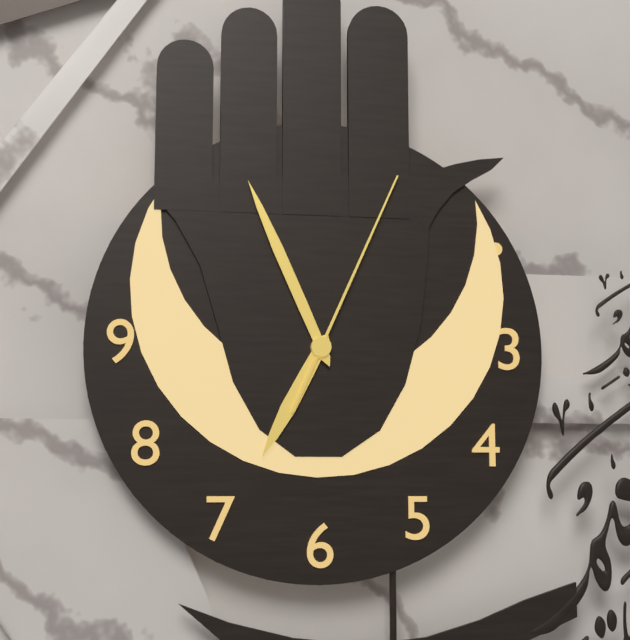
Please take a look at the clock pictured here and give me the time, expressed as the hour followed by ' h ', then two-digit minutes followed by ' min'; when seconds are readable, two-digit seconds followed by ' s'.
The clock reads 6 h 56 min 04 s
